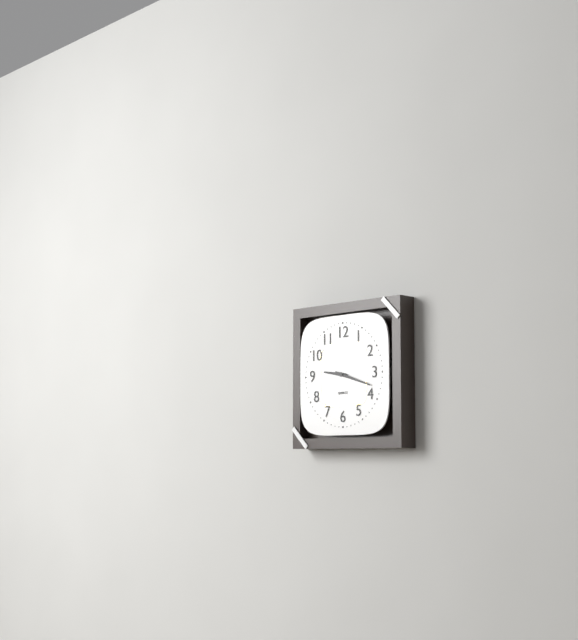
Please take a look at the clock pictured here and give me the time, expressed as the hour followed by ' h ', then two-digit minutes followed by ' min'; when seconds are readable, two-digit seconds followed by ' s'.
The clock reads 9 h 18 min
